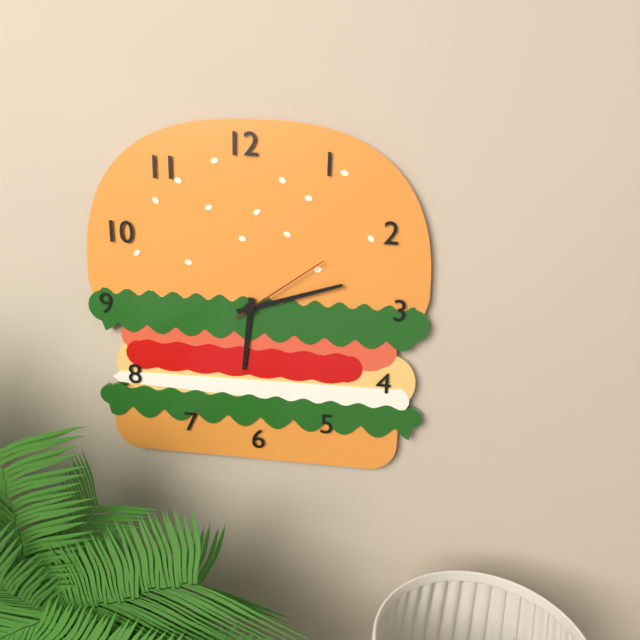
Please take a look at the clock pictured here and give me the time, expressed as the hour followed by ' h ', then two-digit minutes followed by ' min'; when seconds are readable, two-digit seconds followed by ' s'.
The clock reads 6 h 12 min 09 s
